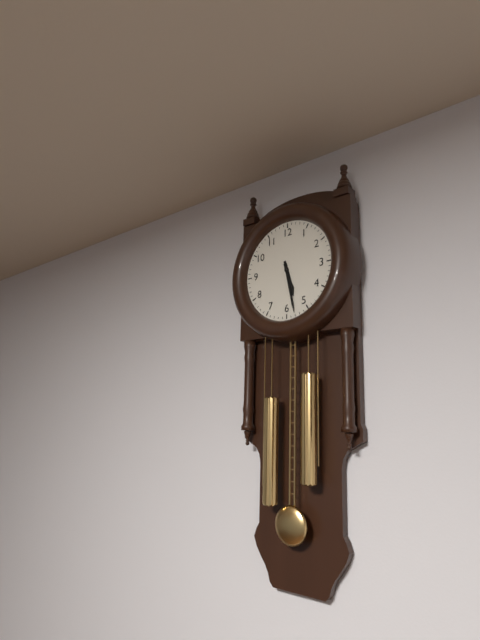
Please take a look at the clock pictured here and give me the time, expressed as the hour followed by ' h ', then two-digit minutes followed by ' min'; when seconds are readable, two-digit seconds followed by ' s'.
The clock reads 5 h 28 min
